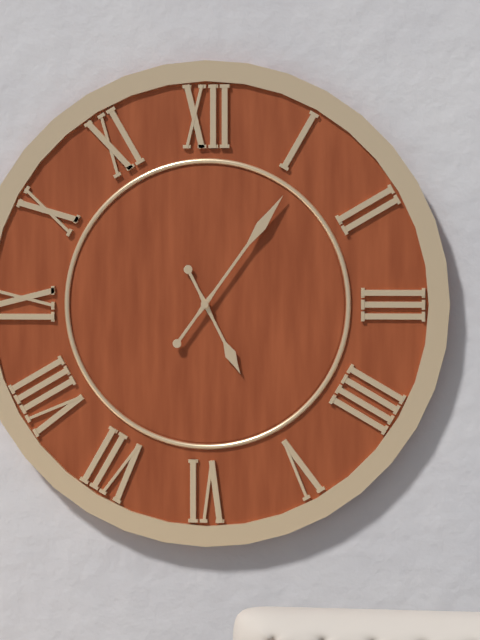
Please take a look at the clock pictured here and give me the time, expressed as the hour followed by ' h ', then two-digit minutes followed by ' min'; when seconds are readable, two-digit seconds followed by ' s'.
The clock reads 5 h 06 min
